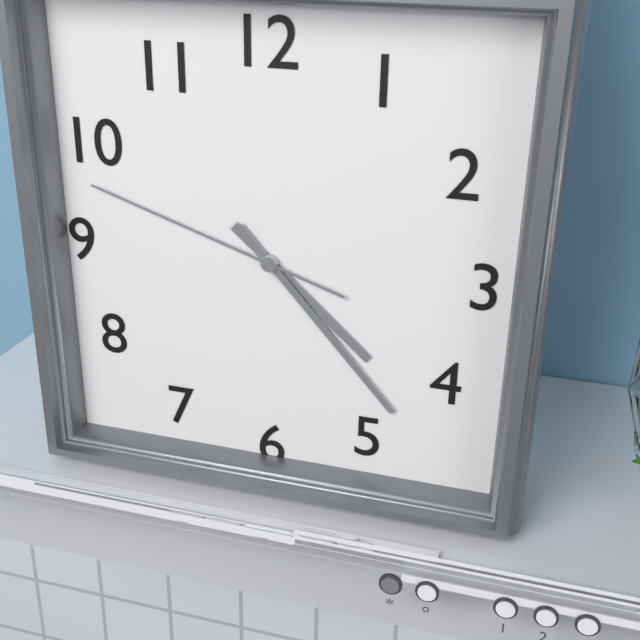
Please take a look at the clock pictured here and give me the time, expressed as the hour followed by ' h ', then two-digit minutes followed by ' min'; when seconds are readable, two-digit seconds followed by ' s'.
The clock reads 4 h 23 min 48 s
